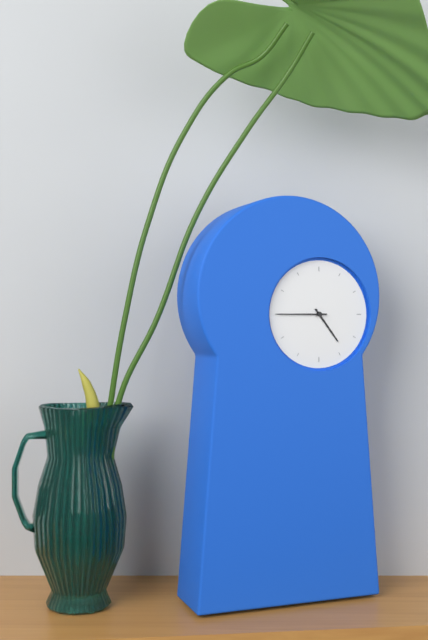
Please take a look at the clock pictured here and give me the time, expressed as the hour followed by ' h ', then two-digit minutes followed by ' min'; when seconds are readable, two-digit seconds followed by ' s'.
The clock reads 4 h 45 min
